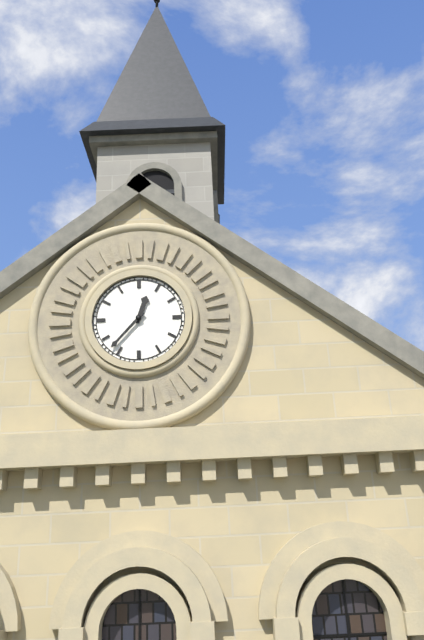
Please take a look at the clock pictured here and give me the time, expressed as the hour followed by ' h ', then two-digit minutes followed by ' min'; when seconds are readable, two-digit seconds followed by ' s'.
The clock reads 12 h 37 min
